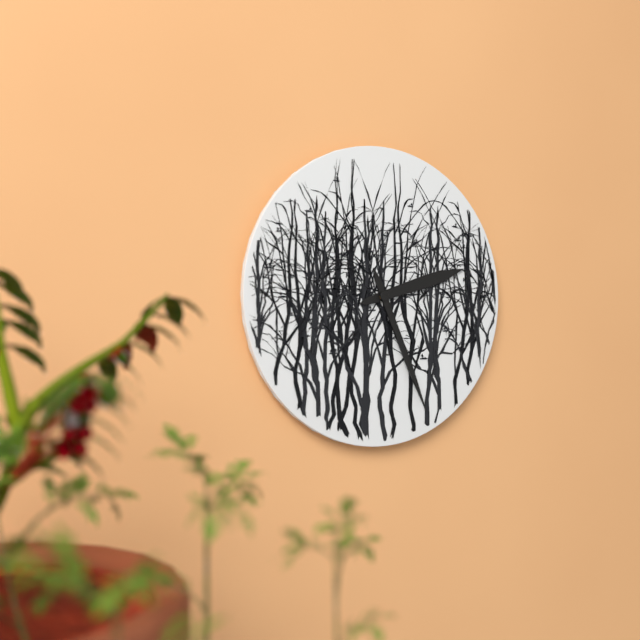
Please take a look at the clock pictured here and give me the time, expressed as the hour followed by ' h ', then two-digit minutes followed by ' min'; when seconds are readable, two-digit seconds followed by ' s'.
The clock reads 2 h 26 min
